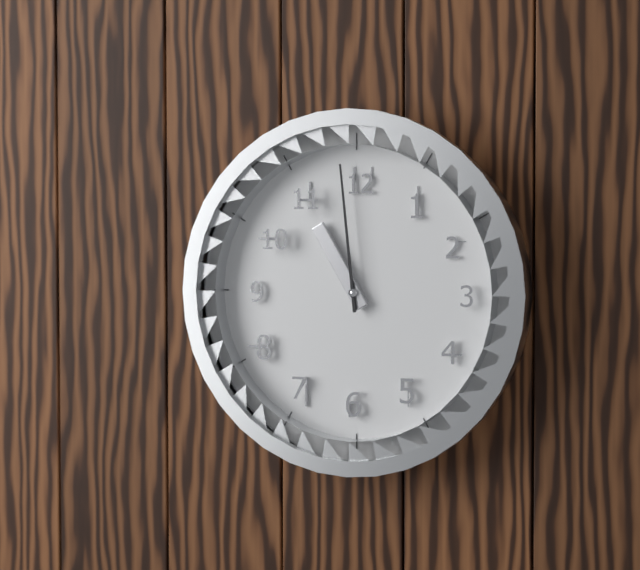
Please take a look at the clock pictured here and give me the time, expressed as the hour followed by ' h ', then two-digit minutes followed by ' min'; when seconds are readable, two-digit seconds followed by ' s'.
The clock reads 10 h 59 min
